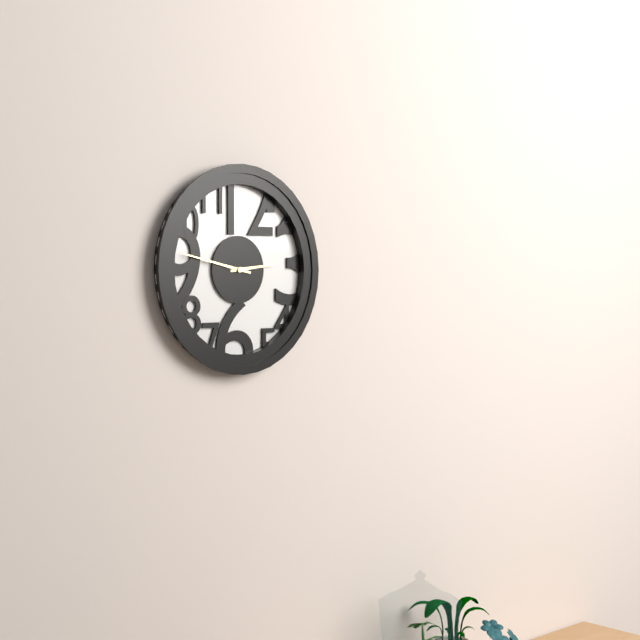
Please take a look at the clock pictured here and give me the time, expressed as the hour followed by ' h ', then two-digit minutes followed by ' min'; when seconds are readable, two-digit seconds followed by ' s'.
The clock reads 2 h 47 min
